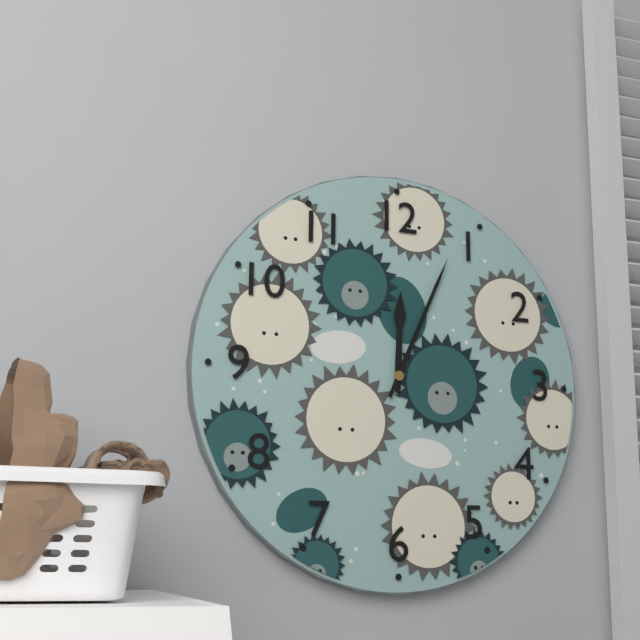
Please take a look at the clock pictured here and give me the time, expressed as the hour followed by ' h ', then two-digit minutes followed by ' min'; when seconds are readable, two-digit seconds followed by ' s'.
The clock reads 12 h 04 min
